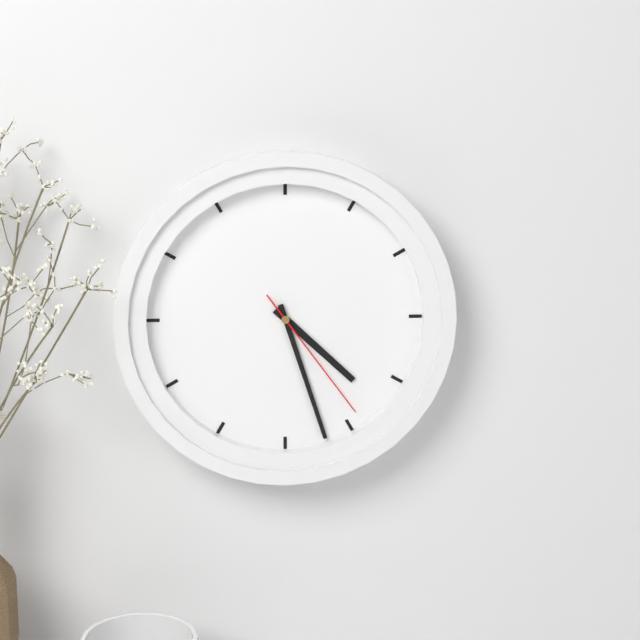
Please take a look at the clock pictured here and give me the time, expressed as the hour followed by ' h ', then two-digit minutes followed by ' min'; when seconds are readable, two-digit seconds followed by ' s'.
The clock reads 4 h 27 min 24 s
